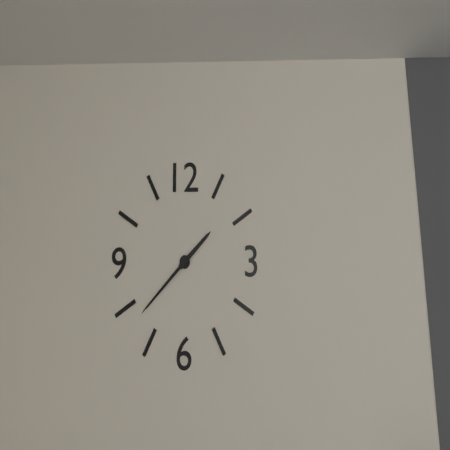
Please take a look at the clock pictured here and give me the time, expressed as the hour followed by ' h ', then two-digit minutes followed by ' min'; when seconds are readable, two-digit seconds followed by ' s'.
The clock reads 1 h 38 min
